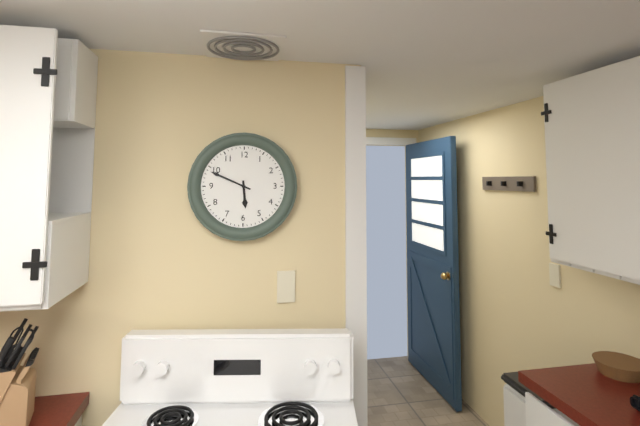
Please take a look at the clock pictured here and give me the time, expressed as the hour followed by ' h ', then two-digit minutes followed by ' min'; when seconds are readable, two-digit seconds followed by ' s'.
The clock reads 5 h 49 min
